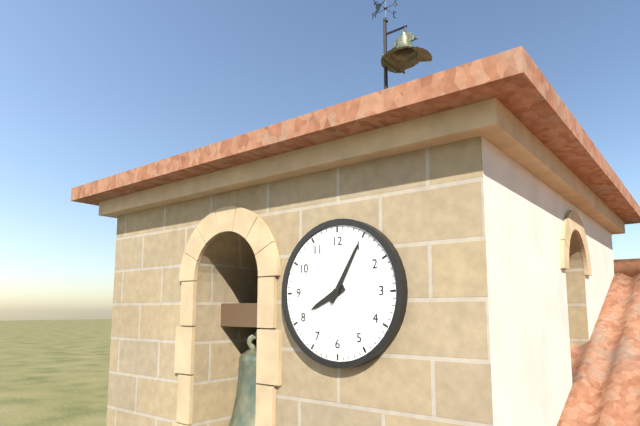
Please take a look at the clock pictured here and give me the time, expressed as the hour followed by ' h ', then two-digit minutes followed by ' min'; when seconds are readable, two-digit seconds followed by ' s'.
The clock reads 8 h 05 min
